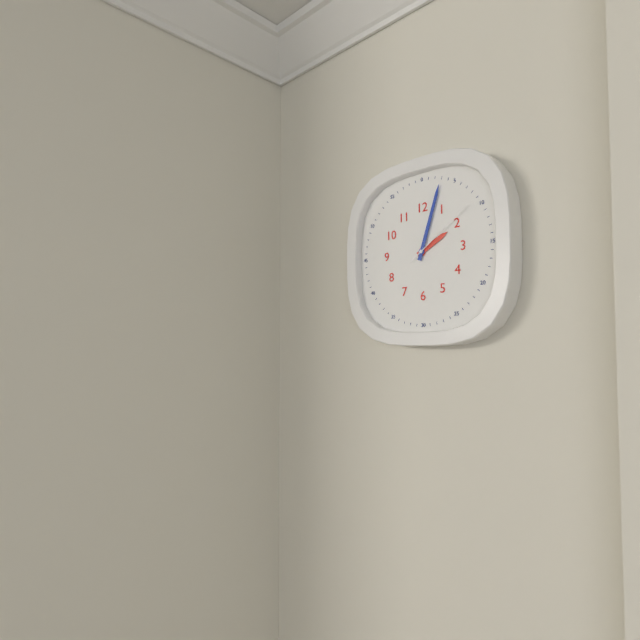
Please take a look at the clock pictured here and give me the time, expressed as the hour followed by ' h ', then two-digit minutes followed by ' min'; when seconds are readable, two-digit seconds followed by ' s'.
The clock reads 2 h 03 min 09 s
